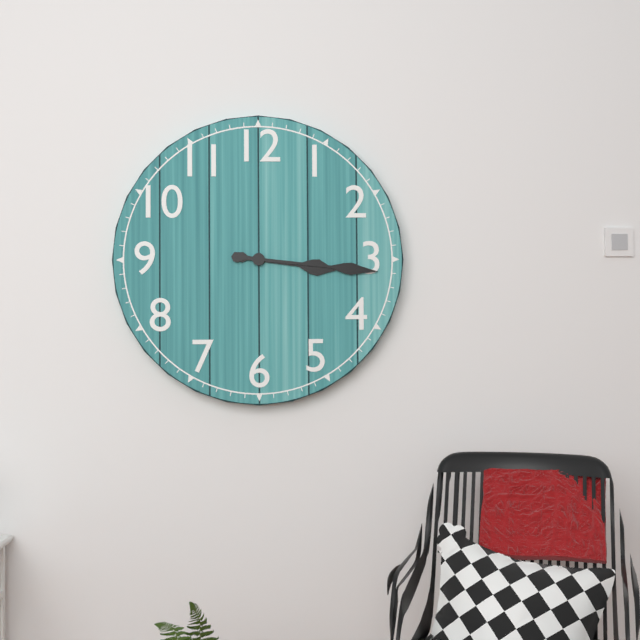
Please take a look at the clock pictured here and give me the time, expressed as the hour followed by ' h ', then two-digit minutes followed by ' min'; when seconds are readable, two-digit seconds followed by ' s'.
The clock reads 3 h 16 min
